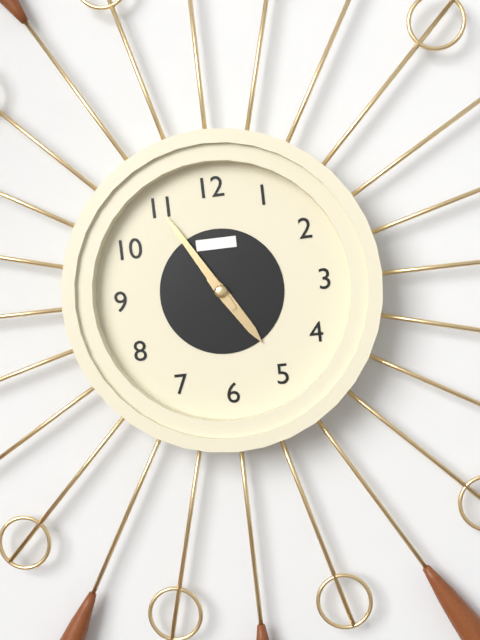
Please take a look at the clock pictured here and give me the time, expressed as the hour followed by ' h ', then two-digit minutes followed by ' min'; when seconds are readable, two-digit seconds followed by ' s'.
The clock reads 4 h 55 min
